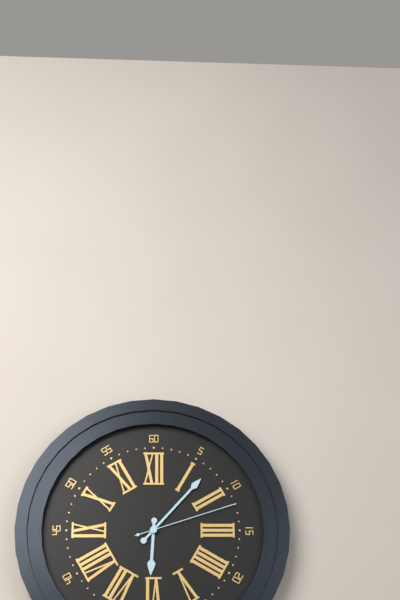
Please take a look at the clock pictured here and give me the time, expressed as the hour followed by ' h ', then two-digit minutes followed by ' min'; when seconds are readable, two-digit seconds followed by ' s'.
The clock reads 6 h 07 min 12 s
